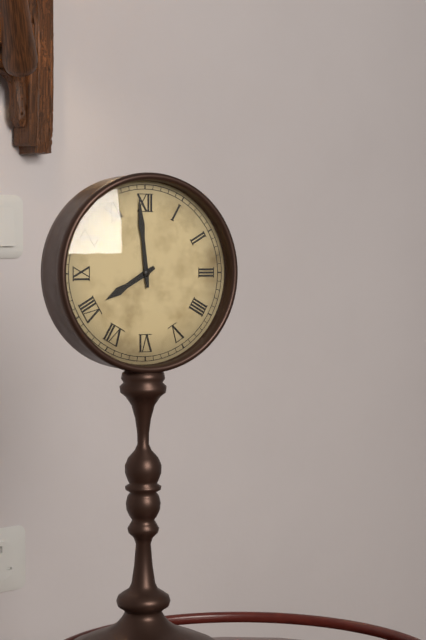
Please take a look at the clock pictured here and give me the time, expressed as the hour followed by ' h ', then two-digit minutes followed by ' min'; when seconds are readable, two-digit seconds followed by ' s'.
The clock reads 7 h 59 min
